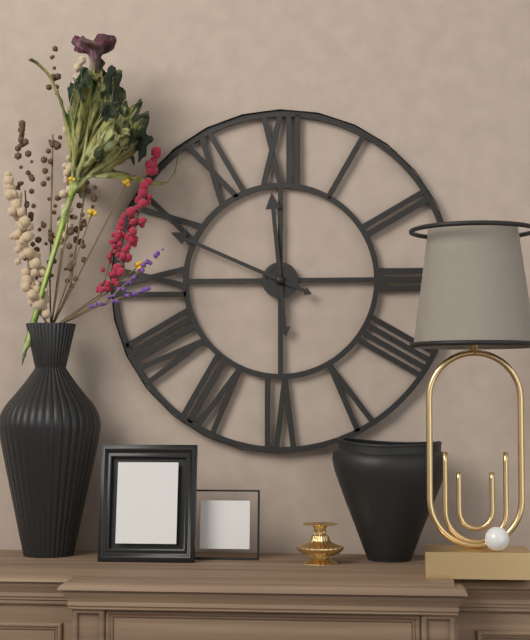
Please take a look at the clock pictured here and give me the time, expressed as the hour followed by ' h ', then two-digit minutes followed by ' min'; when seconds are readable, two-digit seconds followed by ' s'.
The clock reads 11 h 49 min
